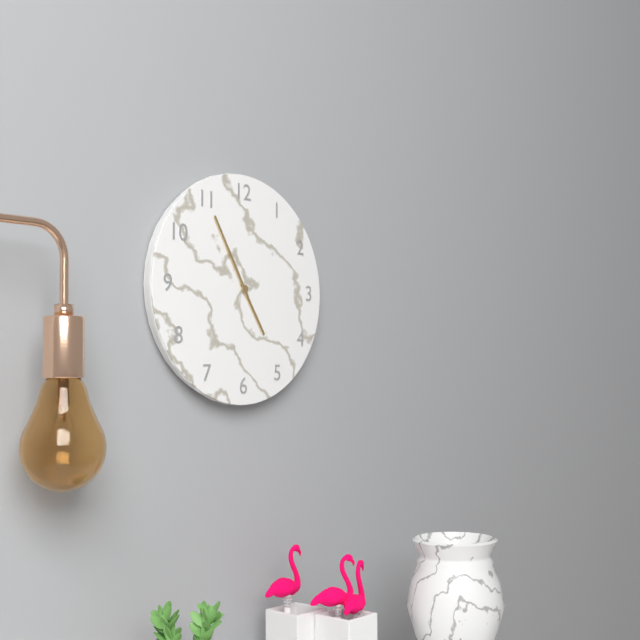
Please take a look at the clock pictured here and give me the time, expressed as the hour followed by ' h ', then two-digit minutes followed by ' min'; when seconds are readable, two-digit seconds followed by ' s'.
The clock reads 4 h 55 min
